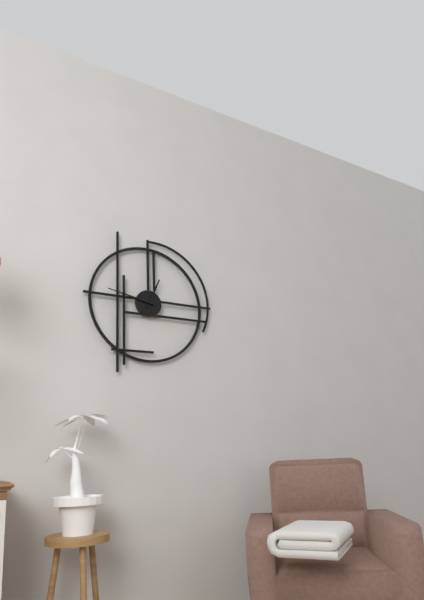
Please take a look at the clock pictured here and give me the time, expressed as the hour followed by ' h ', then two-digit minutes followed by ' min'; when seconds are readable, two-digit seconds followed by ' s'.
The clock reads 12 h 47 min
